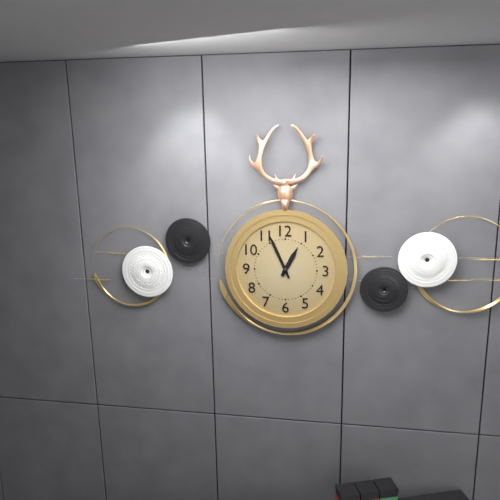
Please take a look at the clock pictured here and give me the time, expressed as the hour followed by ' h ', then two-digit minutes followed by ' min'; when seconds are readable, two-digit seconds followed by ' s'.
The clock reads 12 h 56 min
